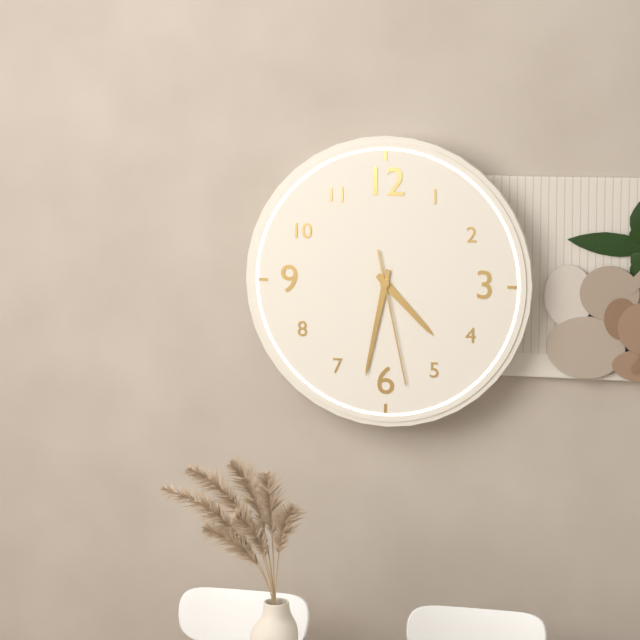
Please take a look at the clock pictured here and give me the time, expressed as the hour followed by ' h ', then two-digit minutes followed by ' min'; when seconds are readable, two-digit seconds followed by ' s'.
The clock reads 4 h 32 min 28 s
